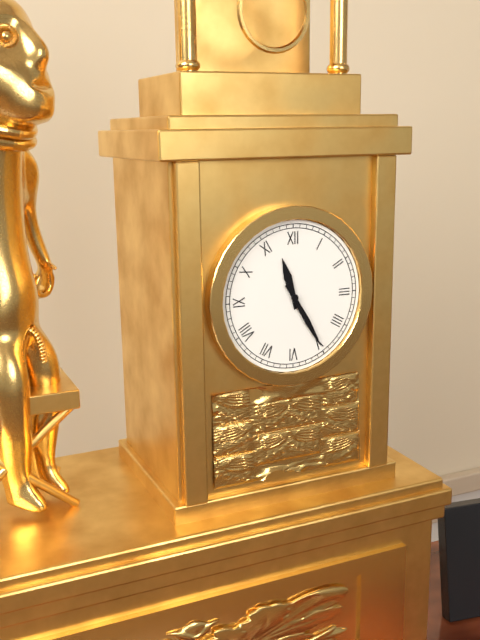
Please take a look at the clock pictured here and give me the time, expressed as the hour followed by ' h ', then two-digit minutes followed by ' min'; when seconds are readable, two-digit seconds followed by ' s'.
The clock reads 11 h 25 min
